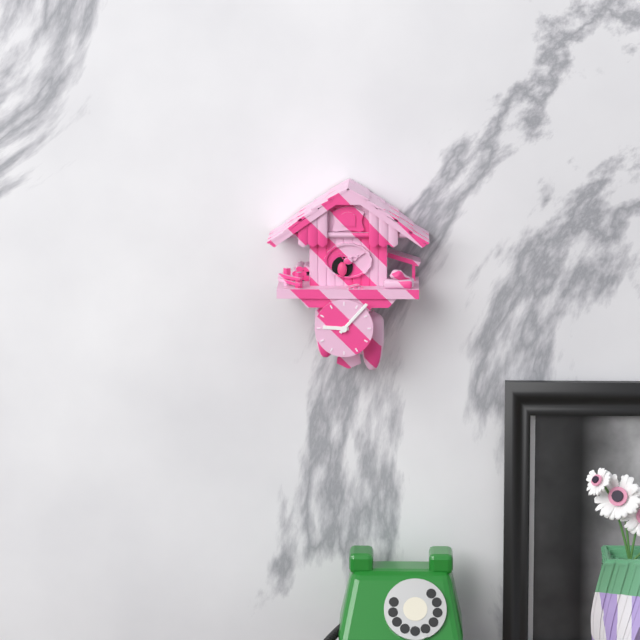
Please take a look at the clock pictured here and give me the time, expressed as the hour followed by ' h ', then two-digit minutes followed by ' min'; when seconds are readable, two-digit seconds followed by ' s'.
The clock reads 9 h 07 min
